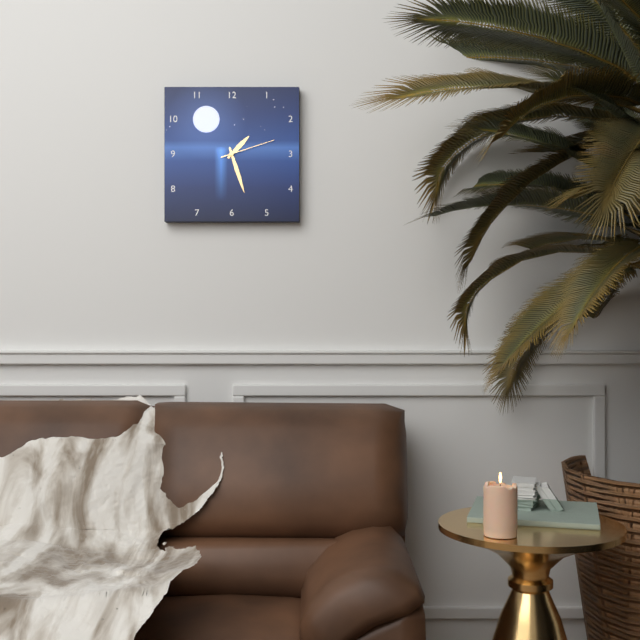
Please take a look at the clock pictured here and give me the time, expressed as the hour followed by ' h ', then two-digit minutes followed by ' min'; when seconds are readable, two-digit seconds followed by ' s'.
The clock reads 1 h 27 min 12 s
